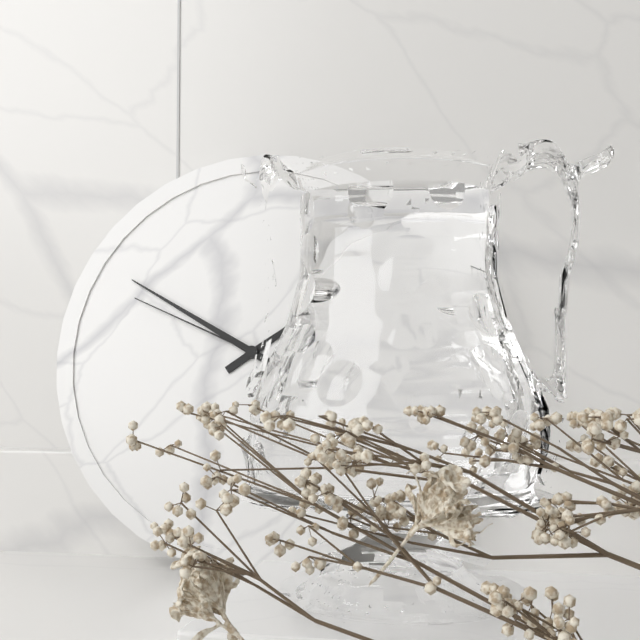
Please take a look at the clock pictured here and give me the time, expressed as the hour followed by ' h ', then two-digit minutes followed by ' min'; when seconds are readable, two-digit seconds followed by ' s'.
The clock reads 1 h 50 min 49 s
